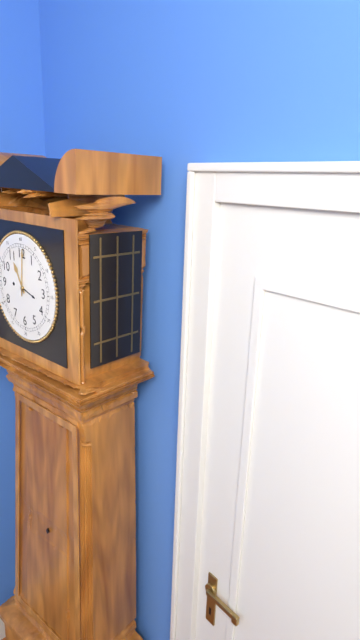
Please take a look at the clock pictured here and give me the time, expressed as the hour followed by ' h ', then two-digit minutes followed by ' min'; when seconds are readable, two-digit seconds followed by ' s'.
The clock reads 11 h 01 min
